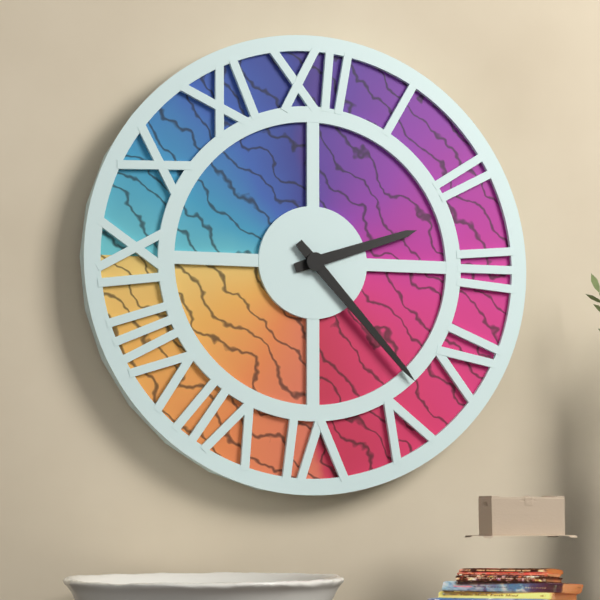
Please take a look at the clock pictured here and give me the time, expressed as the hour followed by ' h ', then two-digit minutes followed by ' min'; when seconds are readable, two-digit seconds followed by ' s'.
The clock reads 2 h 23 min
